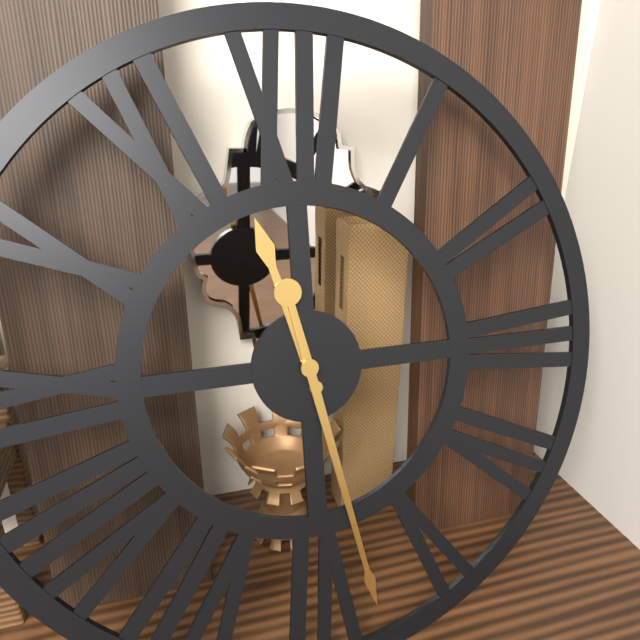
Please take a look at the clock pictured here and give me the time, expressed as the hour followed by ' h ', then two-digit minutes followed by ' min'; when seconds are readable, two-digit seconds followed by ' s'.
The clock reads 11 h 28 min
